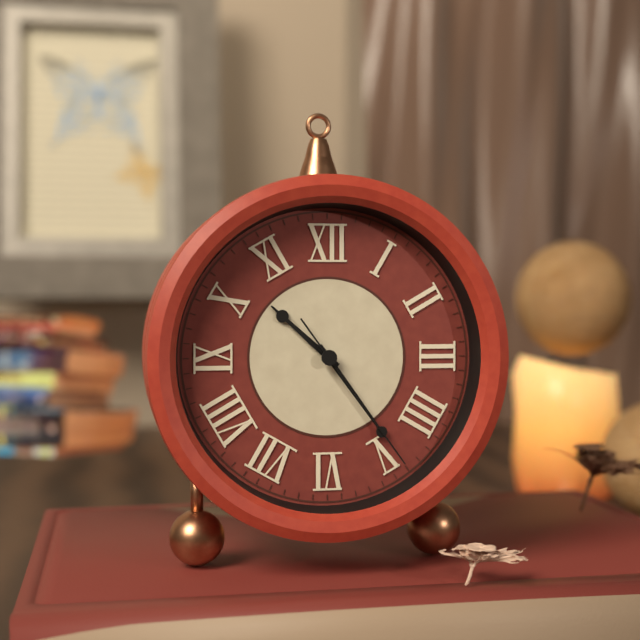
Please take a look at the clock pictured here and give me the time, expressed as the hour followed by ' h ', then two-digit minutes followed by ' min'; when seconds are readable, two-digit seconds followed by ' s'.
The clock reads 10 h 24 min 24 s
